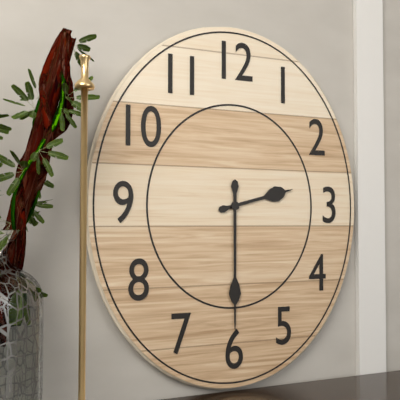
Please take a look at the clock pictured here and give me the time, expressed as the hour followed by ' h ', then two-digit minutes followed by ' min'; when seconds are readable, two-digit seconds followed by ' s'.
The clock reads 2 h 30 min
